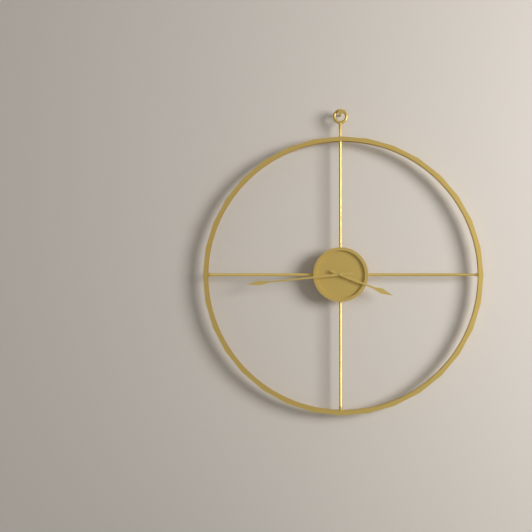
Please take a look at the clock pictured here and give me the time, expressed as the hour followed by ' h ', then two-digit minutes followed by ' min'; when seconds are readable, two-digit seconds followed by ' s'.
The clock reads 3 h 44 min
